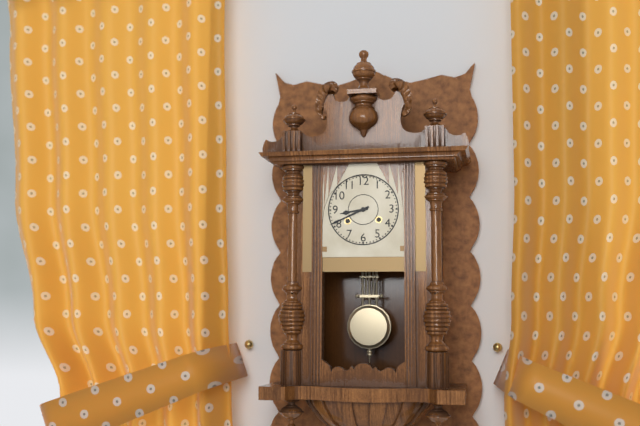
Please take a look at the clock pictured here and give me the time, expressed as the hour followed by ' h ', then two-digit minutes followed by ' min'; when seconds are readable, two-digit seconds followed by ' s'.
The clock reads 8 h 41 min
